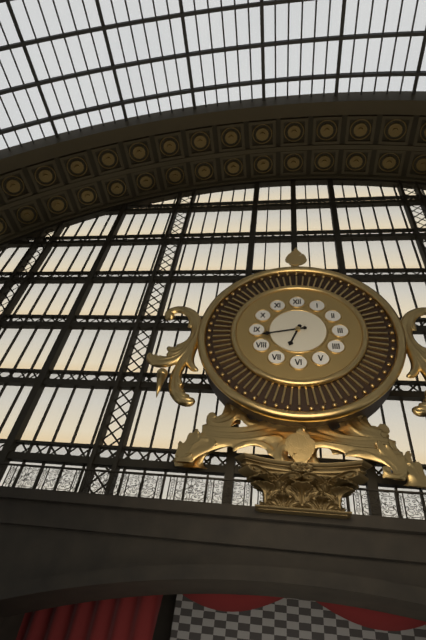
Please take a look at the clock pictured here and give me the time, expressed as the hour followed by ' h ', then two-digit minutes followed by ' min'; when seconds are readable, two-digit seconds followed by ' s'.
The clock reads 6 h 43 min
